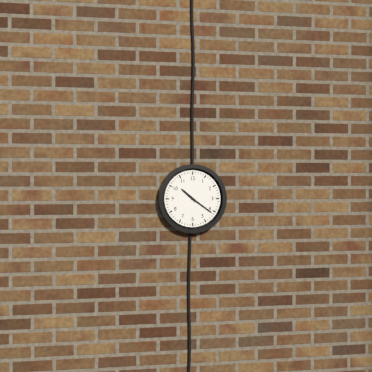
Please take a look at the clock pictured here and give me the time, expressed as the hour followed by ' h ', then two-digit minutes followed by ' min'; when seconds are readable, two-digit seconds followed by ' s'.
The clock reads 10 h 21 min
